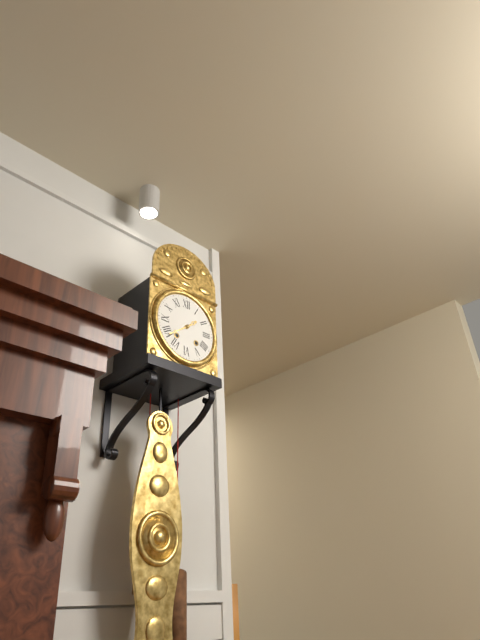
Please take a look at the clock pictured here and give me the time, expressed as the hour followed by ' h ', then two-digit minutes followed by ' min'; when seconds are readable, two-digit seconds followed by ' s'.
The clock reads 1 h 39 min
